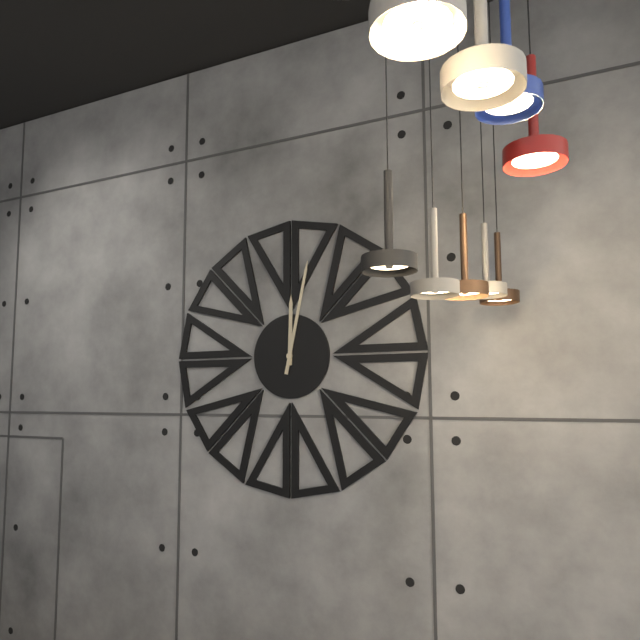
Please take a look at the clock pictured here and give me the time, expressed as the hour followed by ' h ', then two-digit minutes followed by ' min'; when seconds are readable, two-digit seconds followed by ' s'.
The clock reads 12 h 02 min
